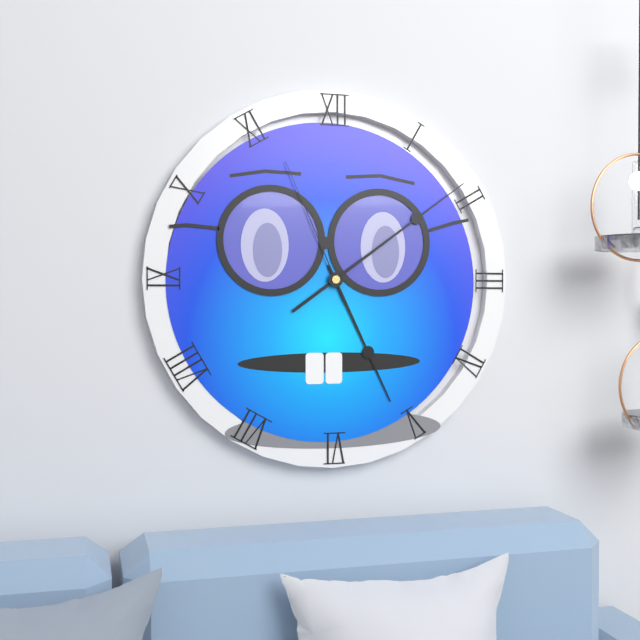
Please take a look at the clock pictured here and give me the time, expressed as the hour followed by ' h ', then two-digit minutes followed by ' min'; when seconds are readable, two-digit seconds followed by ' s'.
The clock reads 5 h 09 min 56 s
